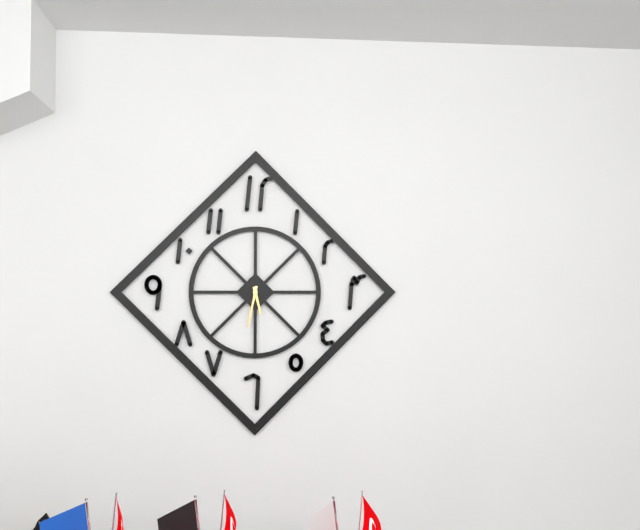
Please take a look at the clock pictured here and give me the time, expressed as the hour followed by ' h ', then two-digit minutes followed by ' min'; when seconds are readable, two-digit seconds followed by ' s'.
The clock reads 5 h 32 min
